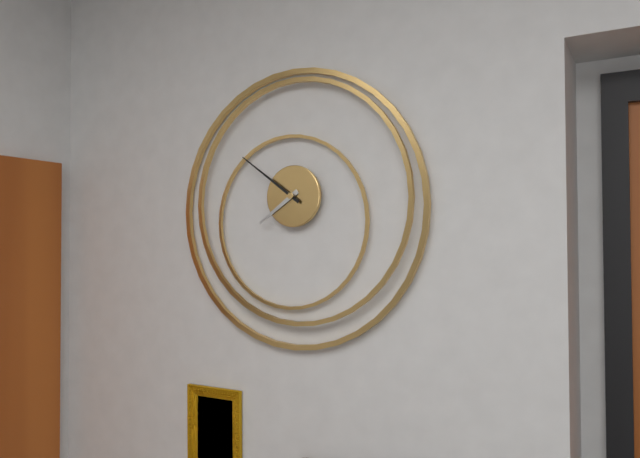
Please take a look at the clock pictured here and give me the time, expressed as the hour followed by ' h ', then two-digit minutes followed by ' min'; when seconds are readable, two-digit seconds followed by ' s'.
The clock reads 7 h 51 min
